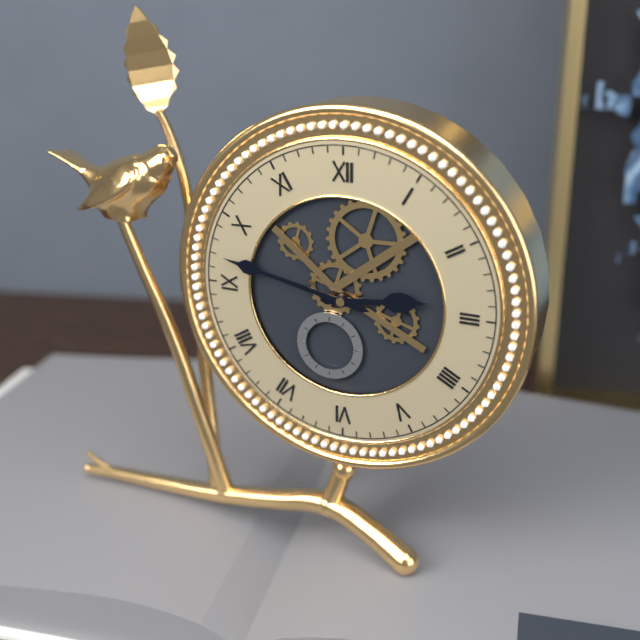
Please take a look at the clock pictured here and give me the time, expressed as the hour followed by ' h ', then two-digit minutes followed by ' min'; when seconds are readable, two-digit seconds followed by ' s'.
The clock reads 2 h 47 min
